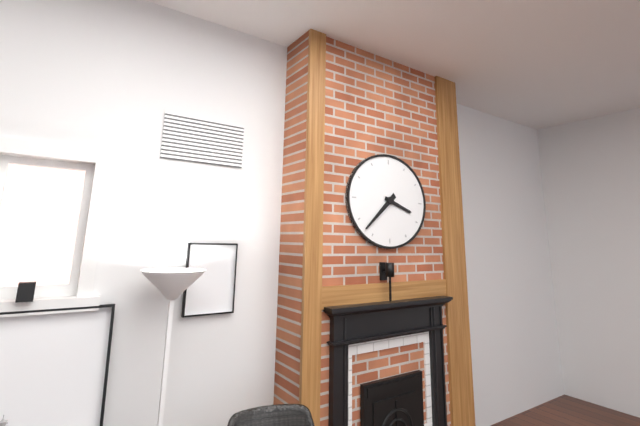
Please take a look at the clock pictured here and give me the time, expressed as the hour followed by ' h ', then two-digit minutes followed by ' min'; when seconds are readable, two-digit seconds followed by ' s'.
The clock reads 3 h 38 min
